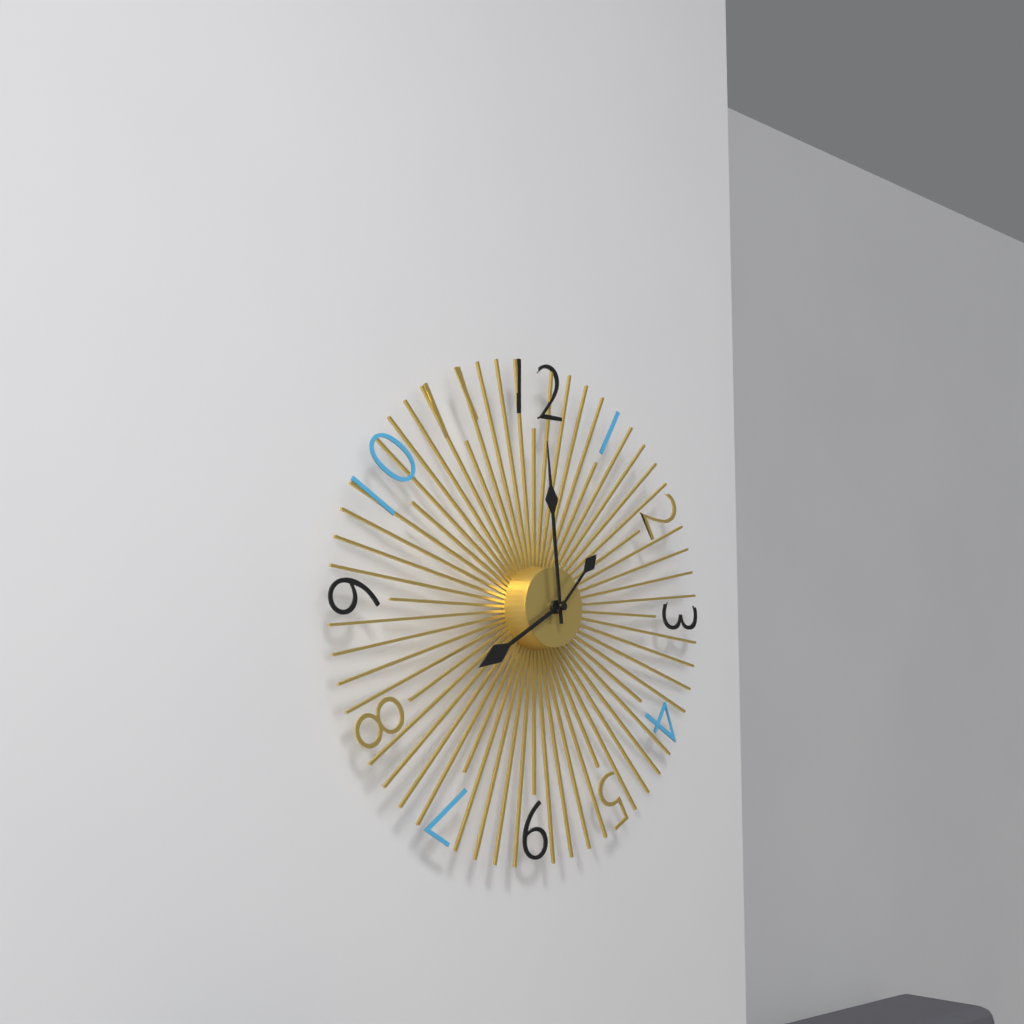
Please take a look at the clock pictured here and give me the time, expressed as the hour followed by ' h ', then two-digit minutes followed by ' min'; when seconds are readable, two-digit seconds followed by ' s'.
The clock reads 7 h 59 min 07 s
